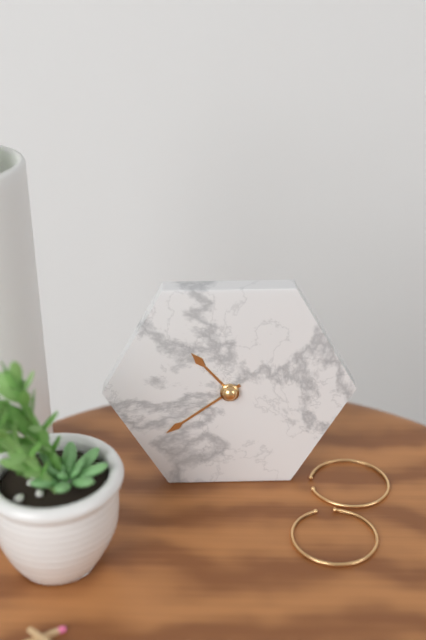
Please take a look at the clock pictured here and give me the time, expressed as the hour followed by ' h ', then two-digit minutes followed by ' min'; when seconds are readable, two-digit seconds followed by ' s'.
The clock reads 10 h 39 min
